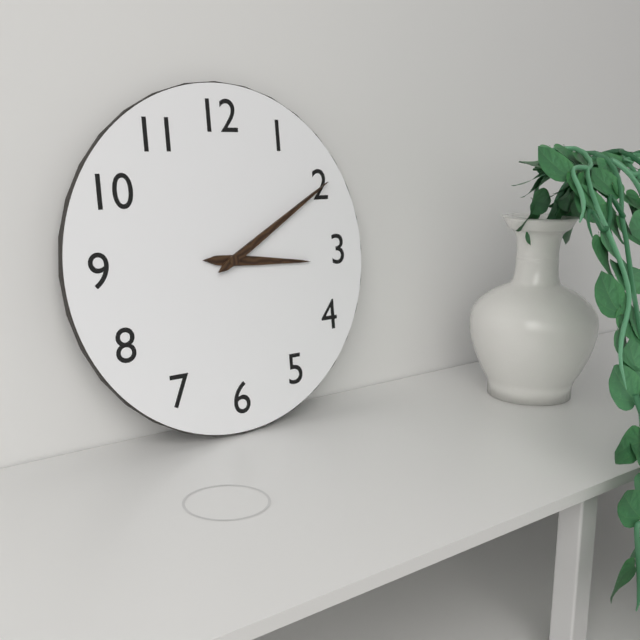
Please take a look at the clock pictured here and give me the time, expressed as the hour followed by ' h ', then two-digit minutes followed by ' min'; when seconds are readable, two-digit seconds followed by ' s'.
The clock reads 3 h 10 min
